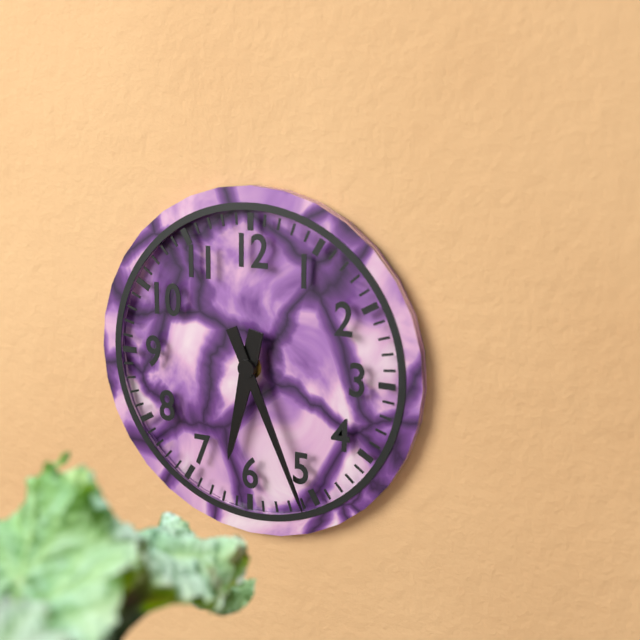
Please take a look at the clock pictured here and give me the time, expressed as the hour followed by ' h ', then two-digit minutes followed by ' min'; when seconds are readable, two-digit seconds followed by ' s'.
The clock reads 6 h 26 min
